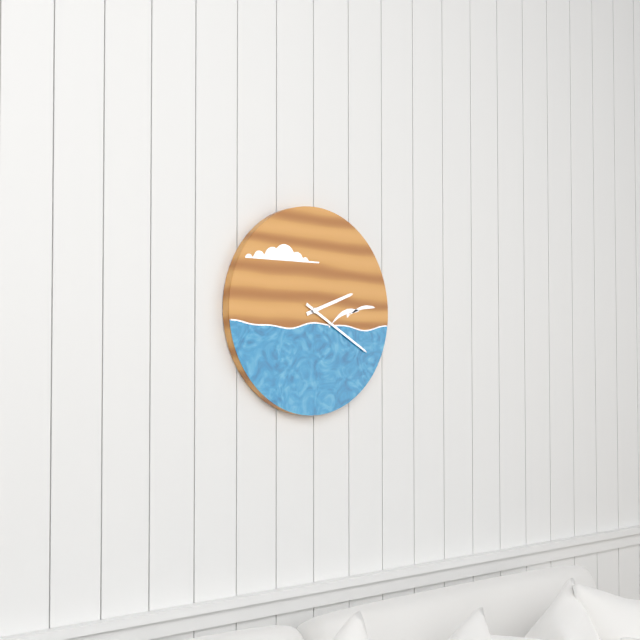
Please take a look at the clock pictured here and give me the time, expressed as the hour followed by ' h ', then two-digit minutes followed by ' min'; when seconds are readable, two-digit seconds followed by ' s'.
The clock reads 2 h 20 min
